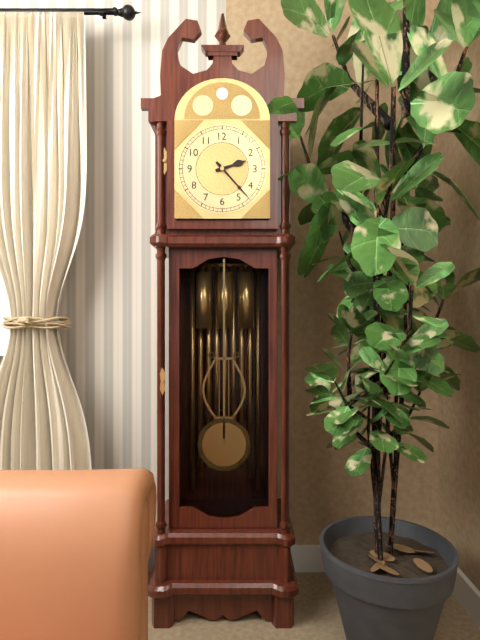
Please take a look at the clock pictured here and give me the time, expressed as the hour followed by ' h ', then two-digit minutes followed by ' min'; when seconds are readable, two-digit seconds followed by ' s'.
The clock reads 2 h 23 min
